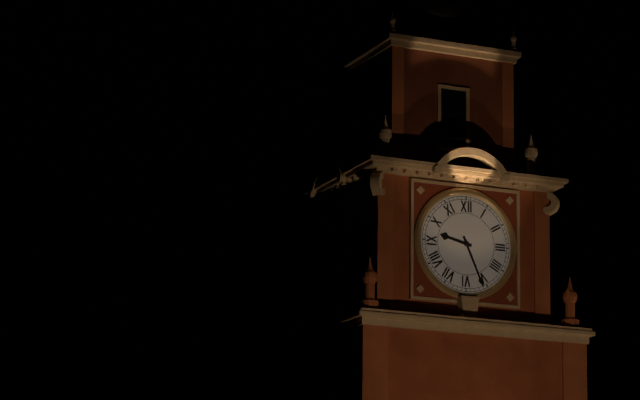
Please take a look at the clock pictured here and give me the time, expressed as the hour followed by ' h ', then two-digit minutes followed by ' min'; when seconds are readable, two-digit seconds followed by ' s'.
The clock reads 9 h 26 min
